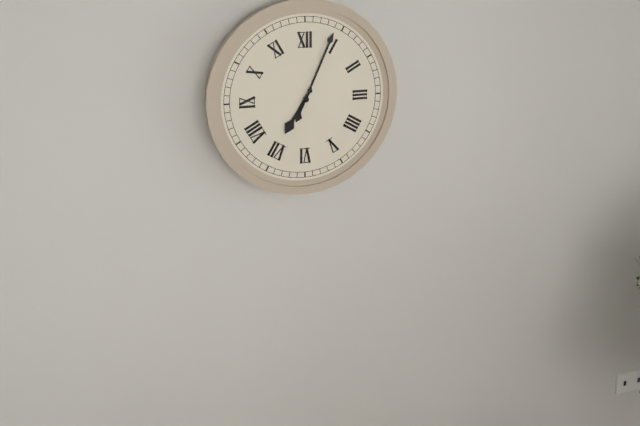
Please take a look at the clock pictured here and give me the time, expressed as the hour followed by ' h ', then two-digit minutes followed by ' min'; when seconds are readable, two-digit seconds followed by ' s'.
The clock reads 7 h 04 min
